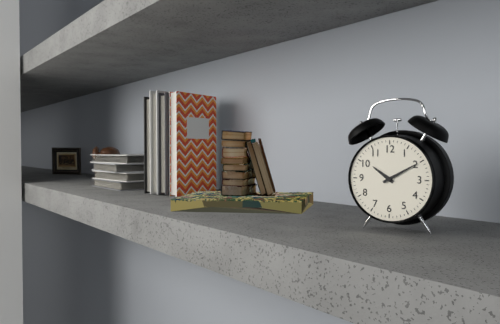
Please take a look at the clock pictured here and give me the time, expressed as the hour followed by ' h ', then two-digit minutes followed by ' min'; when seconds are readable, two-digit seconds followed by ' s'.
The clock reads 10 h 10 min
